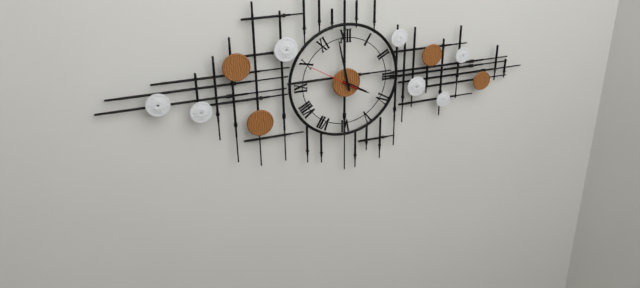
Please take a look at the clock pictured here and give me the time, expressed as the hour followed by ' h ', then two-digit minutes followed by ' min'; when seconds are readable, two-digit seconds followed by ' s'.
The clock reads 3 h 58 min 50 s
